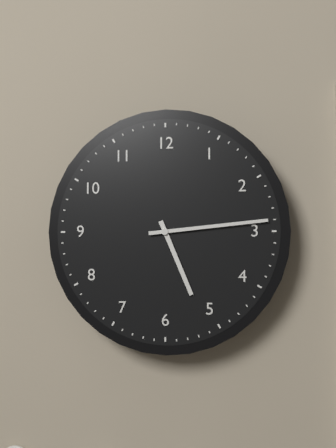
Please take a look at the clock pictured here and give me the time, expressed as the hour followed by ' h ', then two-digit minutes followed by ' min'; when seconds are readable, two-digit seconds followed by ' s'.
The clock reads 5 h 14 min
